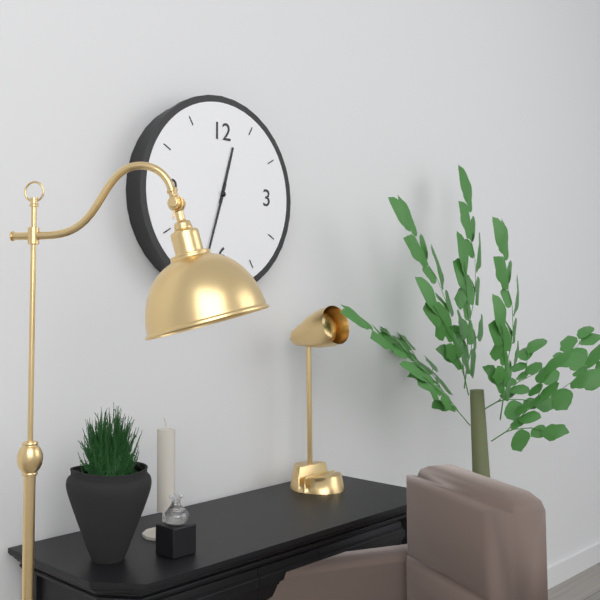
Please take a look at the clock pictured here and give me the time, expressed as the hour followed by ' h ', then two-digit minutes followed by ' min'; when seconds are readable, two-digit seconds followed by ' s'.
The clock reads 12 h 33 min
